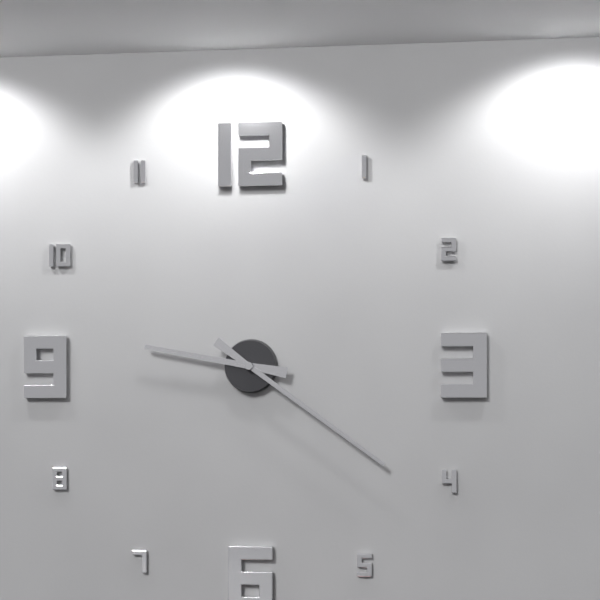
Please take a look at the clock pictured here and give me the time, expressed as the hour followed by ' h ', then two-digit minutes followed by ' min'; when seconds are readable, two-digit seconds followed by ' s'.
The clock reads 9 h 21 min
